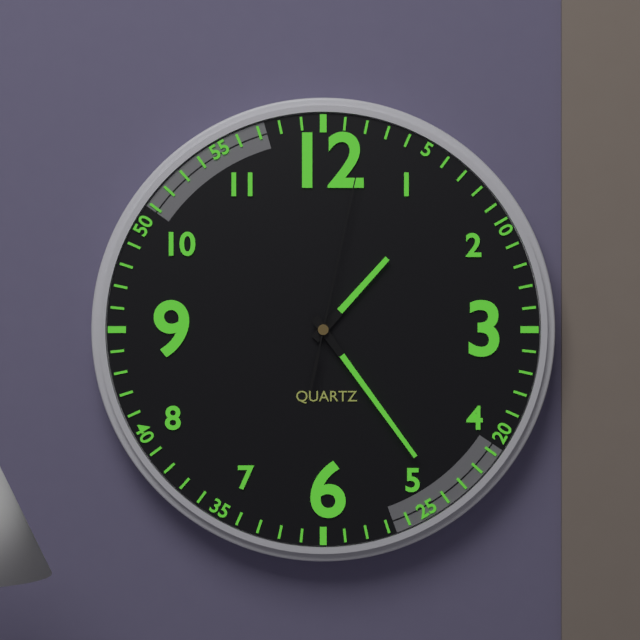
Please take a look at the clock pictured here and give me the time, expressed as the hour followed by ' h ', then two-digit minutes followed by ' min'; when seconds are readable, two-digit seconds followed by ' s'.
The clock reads 1 h 24 min 02 s
